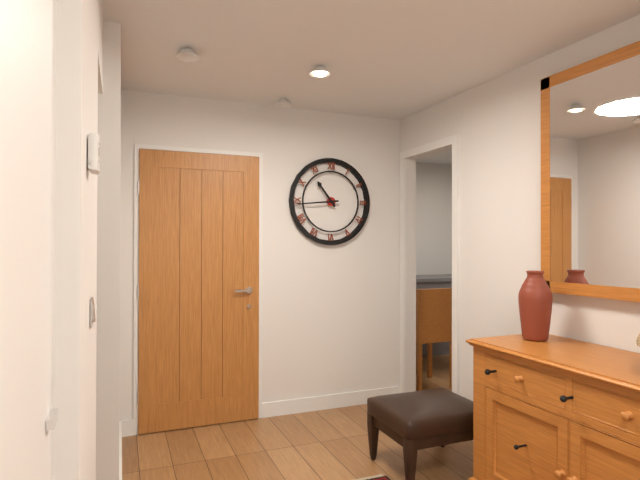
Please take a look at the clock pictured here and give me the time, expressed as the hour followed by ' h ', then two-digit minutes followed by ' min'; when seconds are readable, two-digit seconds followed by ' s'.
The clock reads 10 h 44 min
